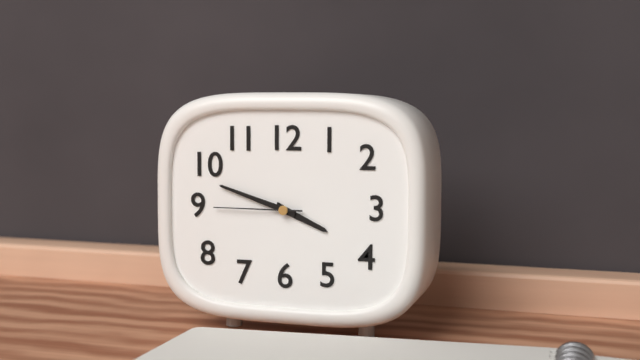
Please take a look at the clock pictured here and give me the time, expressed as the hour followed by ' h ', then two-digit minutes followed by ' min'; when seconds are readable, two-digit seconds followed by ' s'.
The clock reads 3 h 48 min 45 s
